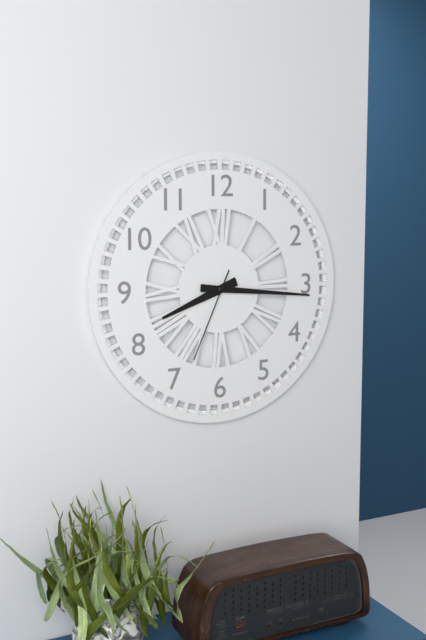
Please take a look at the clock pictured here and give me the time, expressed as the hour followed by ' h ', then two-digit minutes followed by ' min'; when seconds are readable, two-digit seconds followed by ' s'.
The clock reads 8 h 16 min 34 s
